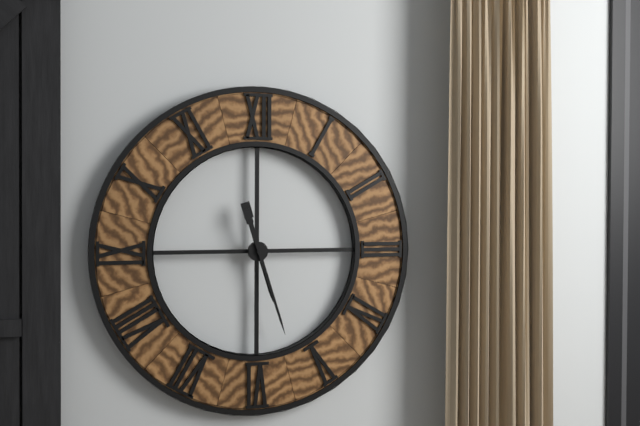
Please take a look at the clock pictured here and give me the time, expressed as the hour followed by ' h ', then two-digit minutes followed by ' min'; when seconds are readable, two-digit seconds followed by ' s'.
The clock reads 5 h 27 min
